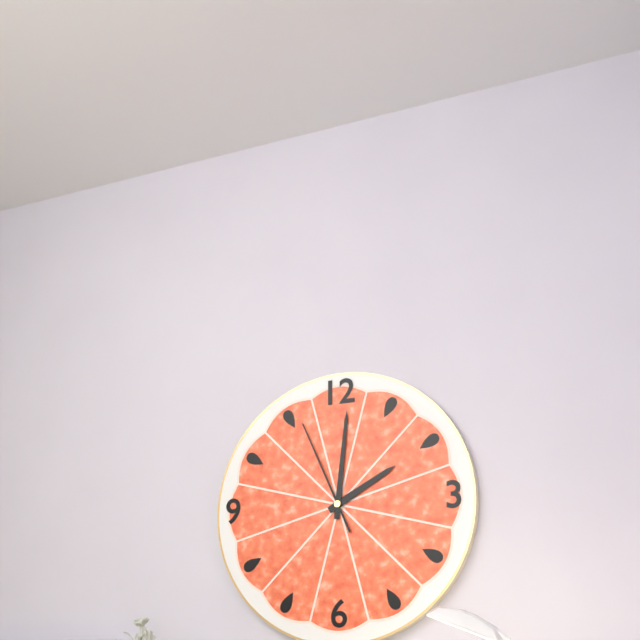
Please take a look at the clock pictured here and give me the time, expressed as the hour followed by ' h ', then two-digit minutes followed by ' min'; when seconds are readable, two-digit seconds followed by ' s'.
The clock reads 2 h 01 min 56 s
